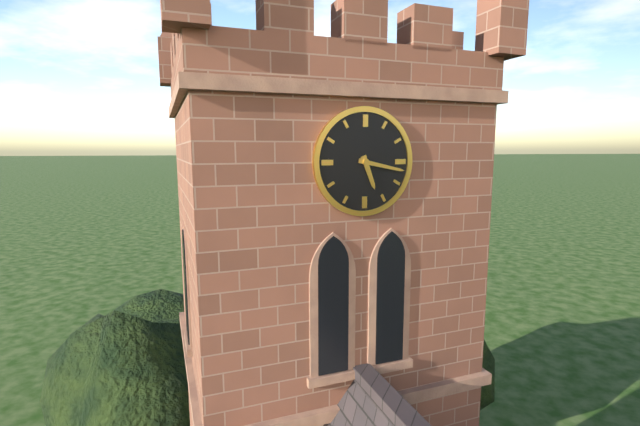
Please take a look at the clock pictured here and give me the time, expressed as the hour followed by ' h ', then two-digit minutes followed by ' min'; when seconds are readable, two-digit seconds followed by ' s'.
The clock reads 5 h 17 min
